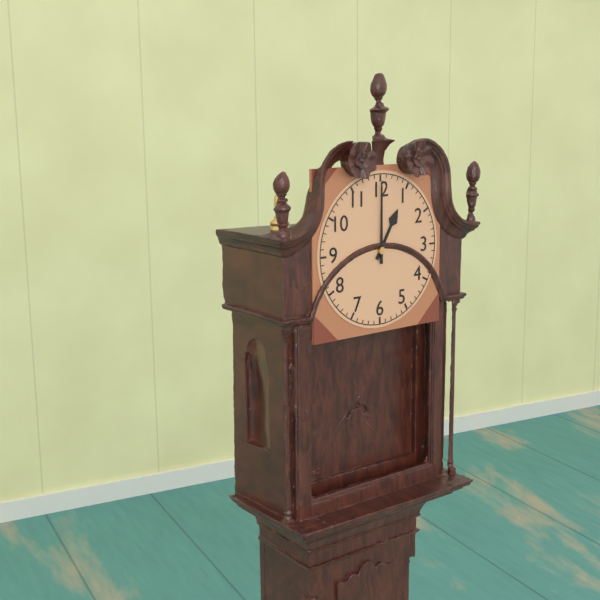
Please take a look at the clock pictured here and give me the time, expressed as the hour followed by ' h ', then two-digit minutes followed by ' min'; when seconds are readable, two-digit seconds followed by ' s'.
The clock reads 1 h 00 min
